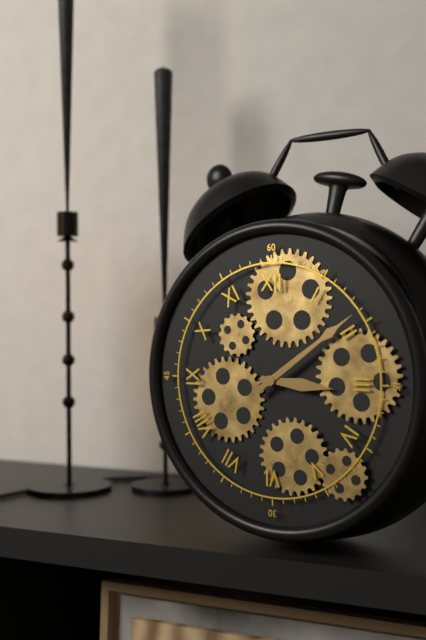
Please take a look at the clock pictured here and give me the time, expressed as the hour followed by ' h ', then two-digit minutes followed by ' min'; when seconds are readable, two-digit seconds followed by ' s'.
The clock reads 3 h 09 min
